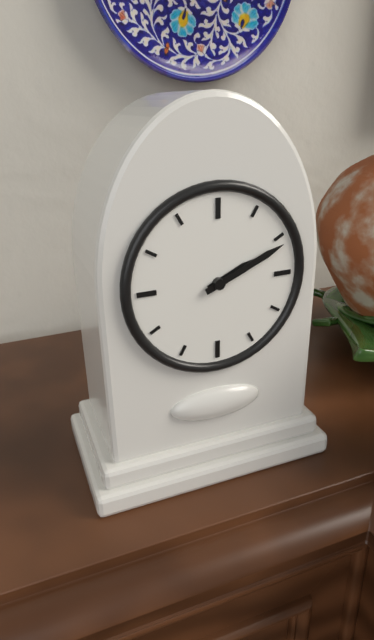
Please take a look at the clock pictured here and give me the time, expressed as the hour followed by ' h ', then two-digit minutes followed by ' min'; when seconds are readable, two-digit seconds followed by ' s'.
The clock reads 2 h 11 min
